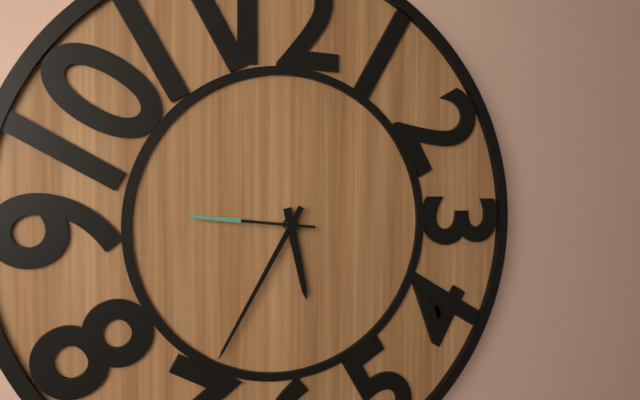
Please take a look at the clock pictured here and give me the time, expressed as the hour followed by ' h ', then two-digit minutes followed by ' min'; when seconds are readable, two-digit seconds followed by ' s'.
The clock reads 5 h 35 min 46 s
